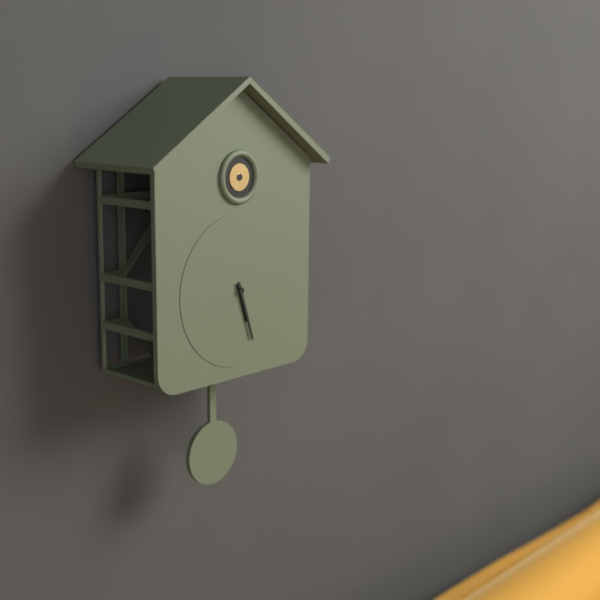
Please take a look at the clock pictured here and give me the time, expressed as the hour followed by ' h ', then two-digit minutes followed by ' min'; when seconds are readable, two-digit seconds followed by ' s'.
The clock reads 5 h 27 min
